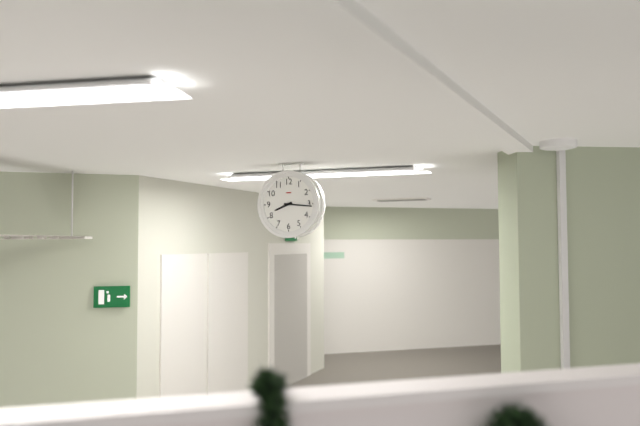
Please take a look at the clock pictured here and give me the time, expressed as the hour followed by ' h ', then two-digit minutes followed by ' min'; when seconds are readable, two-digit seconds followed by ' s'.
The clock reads 8 h 16 min
